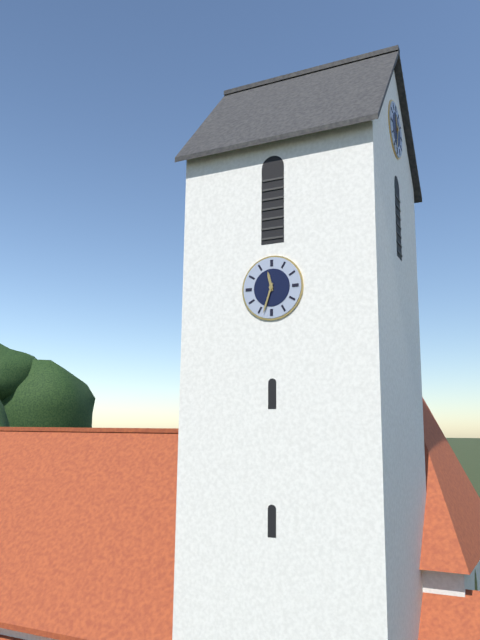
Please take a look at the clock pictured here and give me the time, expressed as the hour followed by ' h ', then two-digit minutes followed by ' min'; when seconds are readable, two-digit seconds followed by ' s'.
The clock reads 11 h 33 min
